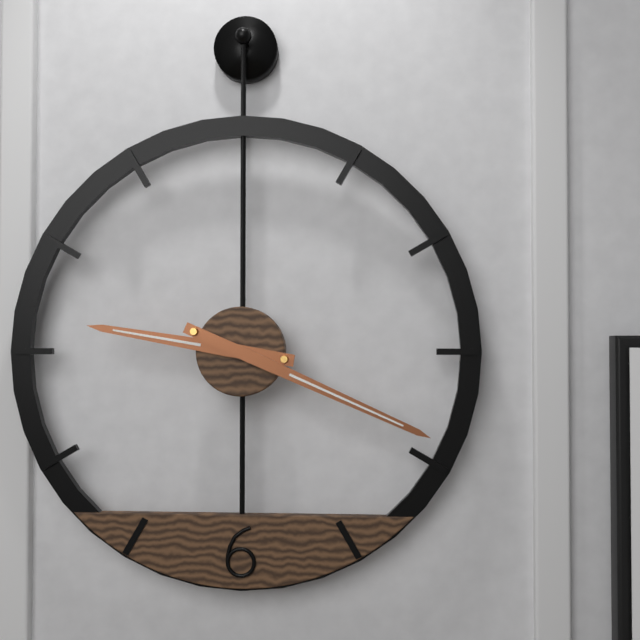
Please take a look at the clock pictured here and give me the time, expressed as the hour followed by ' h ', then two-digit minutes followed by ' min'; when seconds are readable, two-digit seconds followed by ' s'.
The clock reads 9 h 19 min
